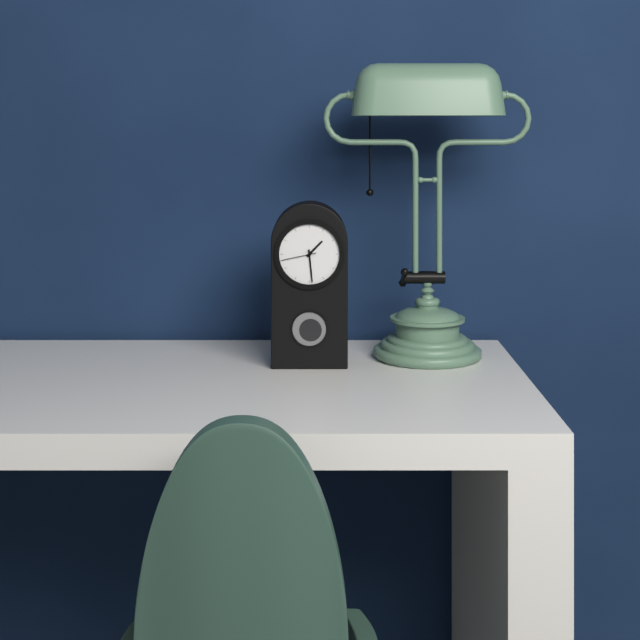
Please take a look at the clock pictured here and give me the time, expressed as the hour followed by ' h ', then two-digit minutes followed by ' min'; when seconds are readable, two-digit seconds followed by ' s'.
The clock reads 1 h 29 min
